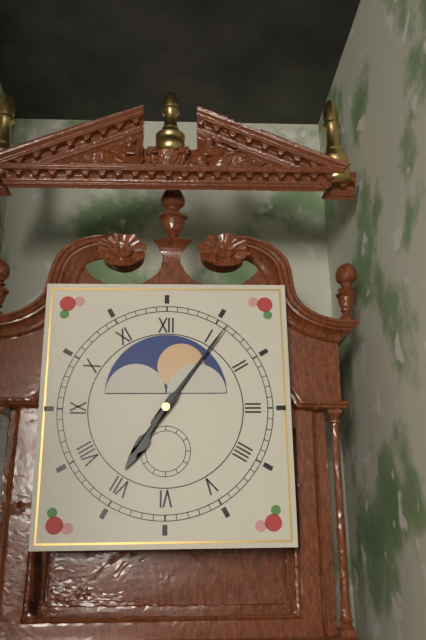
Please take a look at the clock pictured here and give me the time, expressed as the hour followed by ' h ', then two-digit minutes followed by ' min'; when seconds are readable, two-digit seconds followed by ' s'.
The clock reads 7 h 06 min
